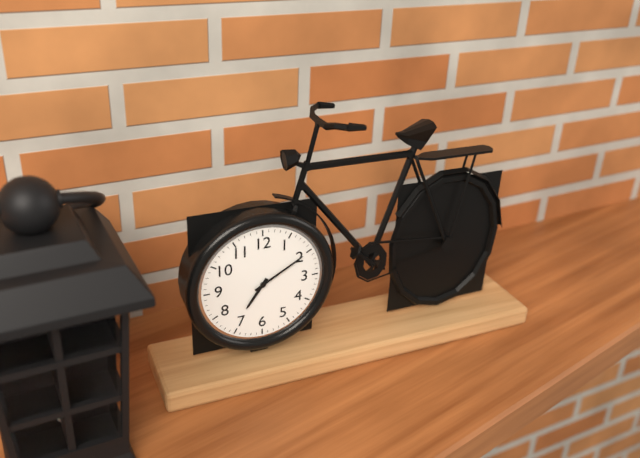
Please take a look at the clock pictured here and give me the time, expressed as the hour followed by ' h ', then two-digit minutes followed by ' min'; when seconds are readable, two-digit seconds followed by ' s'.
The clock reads 7 h 10 min
